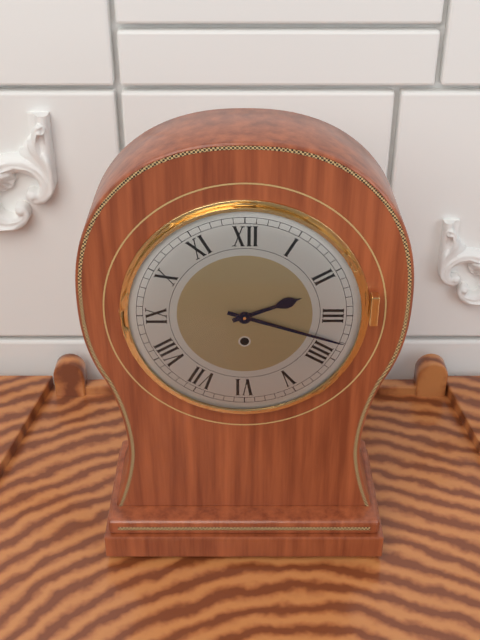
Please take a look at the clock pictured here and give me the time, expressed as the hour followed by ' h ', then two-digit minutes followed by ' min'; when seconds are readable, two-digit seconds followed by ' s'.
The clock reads 2 h 18 min
